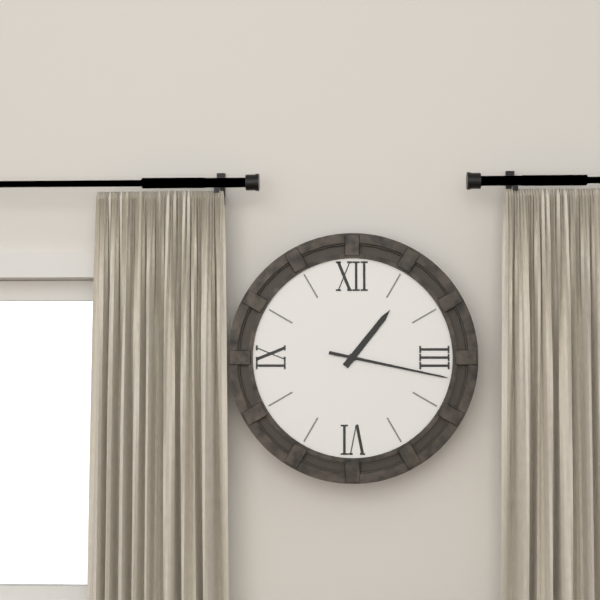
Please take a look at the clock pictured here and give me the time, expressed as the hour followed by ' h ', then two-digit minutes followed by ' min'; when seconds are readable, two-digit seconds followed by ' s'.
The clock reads 1 h 17 min
